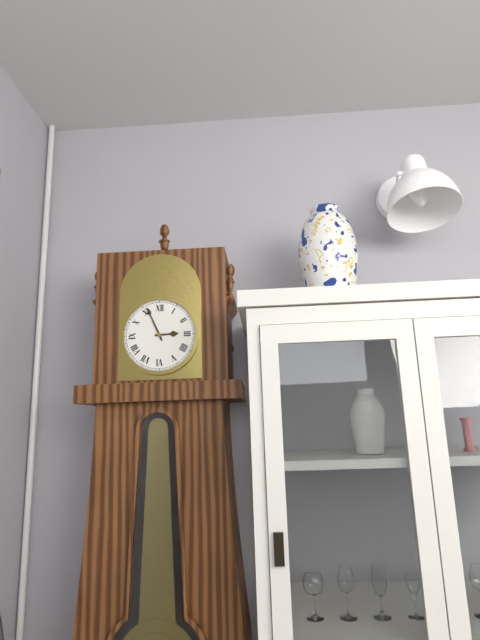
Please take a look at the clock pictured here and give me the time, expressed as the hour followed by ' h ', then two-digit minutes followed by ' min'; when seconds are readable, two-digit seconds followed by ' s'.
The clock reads 2 h 56 min
